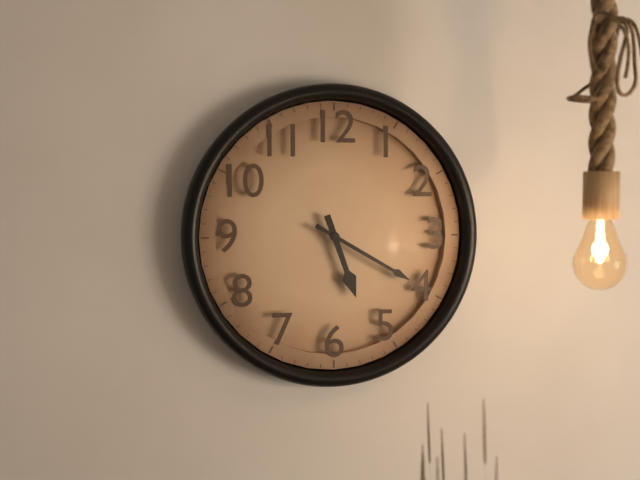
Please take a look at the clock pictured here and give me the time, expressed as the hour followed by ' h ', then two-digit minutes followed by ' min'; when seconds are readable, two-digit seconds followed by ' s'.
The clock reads 5 h 20 min
